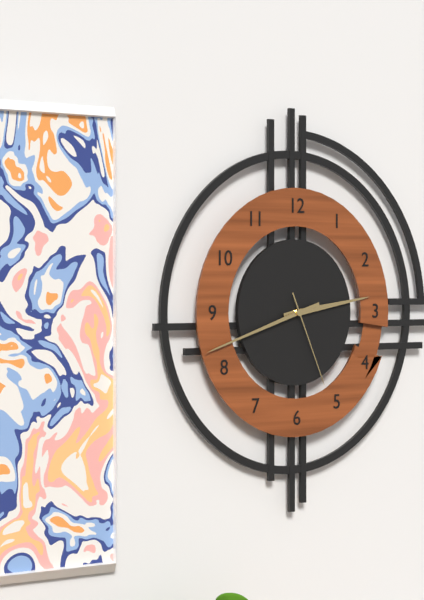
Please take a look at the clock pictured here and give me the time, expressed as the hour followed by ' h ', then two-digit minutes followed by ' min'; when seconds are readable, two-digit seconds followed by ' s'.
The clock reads 2 h 42 min 26 s
